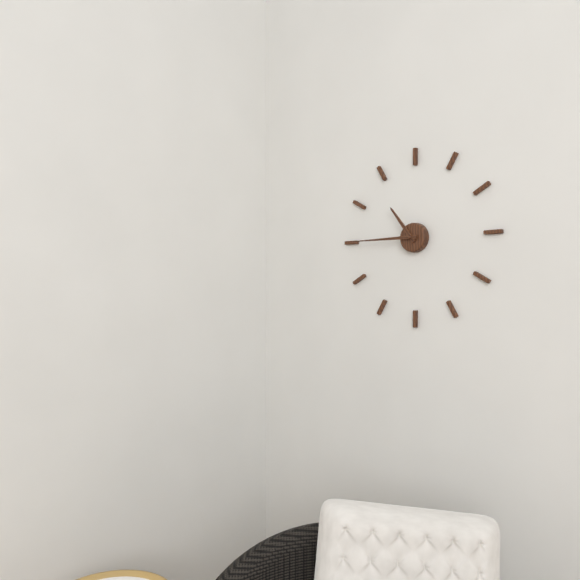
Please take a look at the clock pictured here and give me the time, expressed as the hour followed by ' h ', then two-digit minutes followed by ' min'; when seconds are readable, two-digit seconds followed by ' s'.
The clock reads 10 h 45 min
